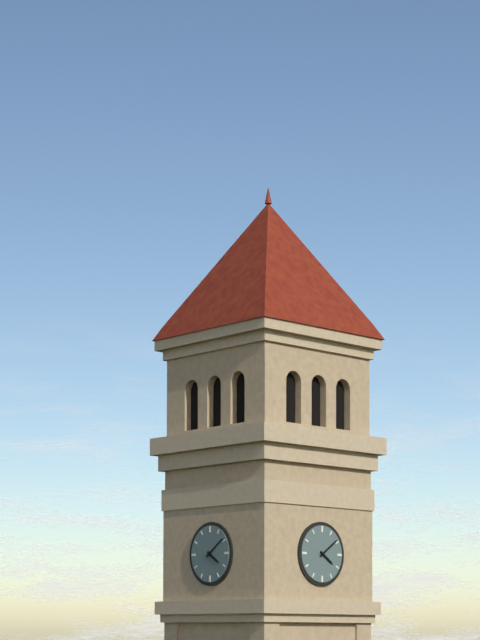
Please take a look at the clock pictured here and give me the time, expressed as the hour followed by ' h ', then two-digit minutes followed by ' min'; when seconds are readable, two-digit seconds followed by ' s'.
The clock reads 4 h 09 min
